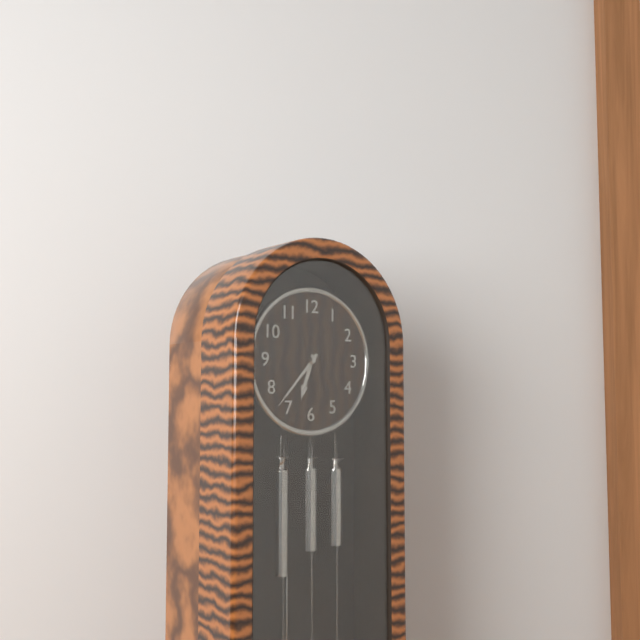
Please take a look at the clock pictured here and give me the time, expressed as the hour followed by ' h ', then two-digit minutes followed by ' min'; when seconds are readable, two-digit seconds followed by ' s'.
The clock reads 6 h 37 min
